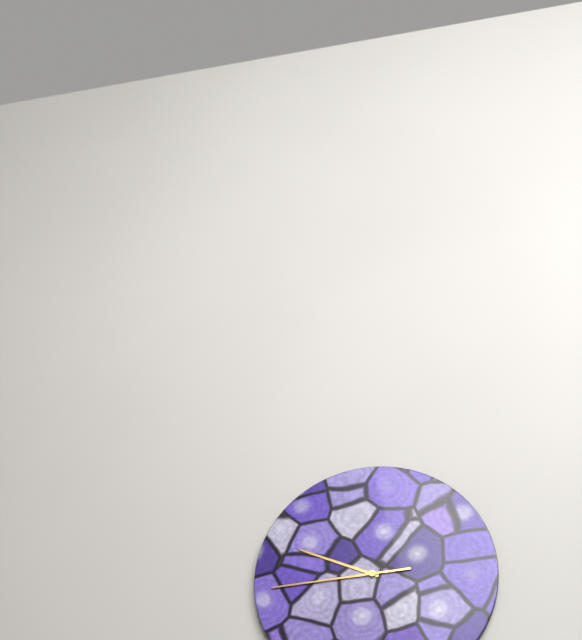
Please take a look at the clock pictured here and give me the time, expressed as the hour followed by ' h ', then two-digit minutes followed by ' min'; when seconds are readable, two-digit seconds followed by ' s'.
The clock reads 9 h 44 min
